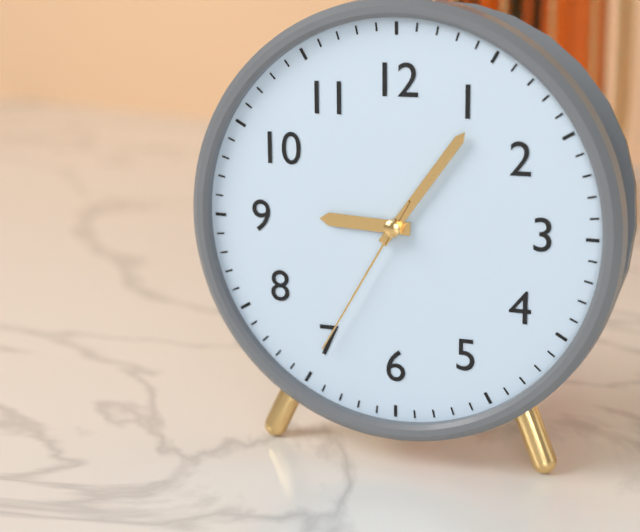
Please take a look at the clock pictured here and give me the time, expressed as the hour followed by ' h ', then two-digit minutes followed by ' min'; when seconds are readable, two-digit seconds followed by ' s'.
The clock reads 9 h 06 min 35 s
